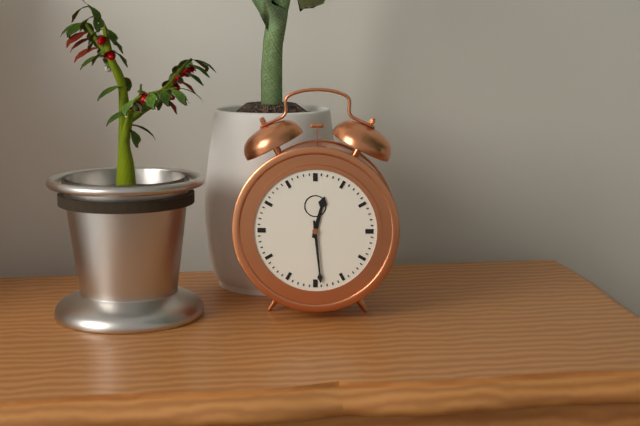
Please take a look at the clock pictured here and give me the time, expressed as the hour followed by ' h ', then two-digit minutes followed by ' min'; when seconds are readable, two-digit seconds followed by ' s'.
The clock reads 12 h 29 min
